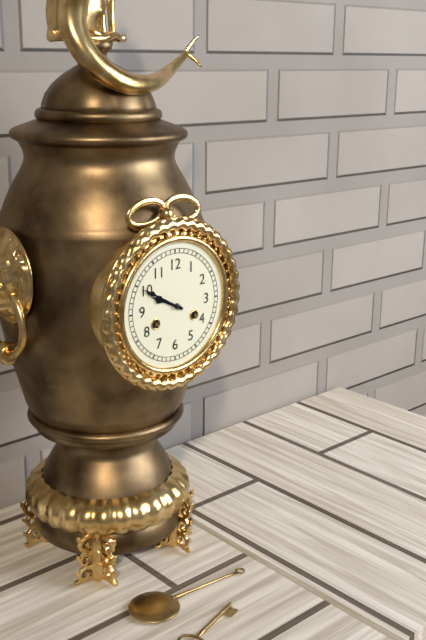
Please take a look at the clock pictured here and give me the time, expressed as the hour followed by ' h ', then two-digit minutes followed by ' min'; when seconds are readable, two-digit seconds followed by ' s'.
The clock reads 9 h 50 min
